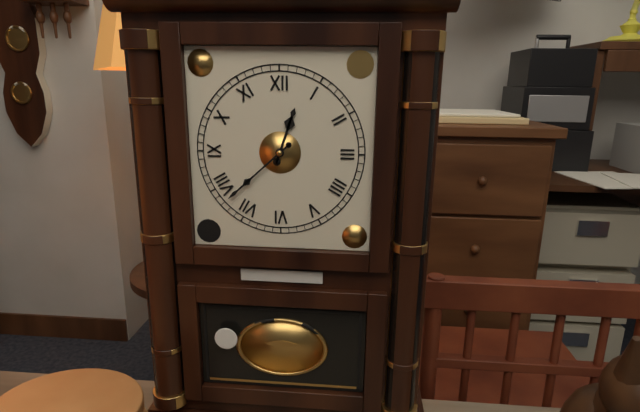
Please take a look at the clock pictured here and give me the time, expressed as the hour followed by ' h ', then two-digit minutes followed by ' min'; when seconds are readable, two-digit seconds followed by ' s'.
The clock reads 12 h 38 min
